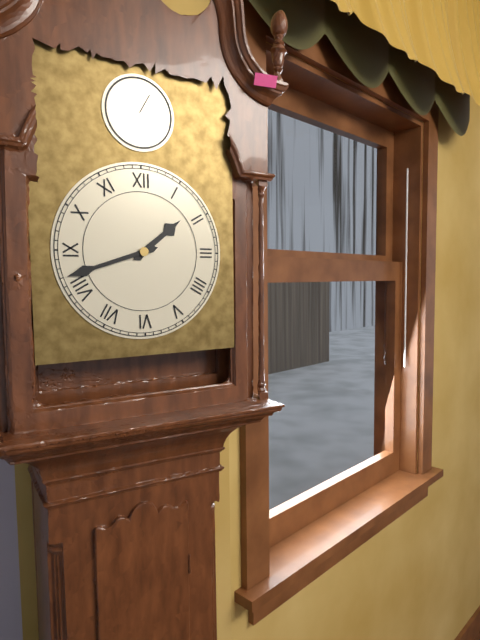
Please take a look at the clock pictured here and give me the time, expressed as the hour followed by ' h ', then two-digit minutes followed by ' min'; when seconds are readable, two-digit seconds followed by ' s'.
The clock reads 1 h 42 min
